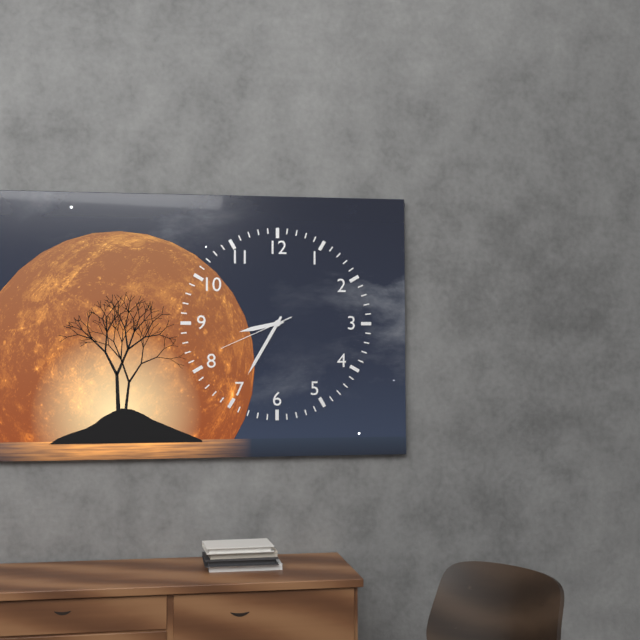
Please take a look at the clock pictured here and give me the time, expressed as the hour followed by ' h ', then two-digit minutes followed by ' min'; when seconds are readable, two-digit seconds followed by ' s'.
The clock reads 8 h 35 min 41 s
